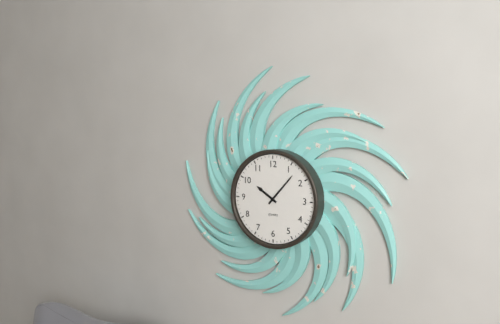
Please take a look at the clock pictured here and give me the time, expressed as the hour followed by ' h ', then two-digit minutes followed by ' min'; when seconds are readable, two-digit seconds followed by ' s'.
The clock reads 10 h 07 min
